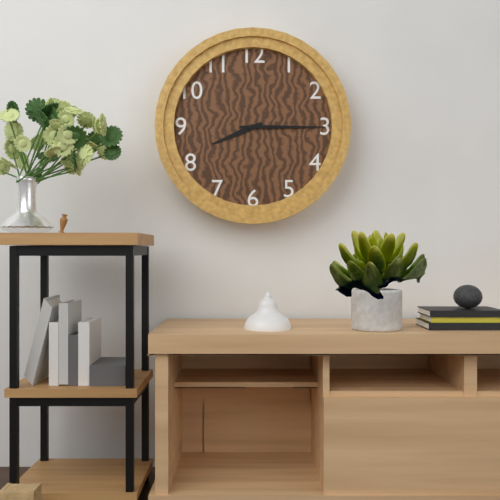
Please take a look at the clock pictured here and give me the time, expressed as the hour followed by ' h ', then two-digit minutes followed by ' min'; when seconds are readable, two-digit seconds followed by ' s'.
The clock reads 8 h 15 min
